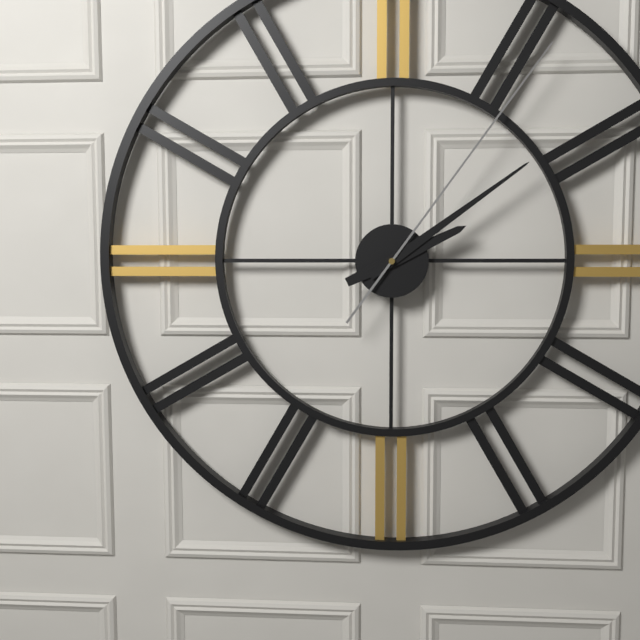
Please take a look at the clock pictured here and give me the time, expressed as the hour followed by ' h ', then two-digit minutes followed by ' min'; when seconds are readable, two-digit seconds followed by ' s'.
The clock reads 2 h 09 min 06 s
